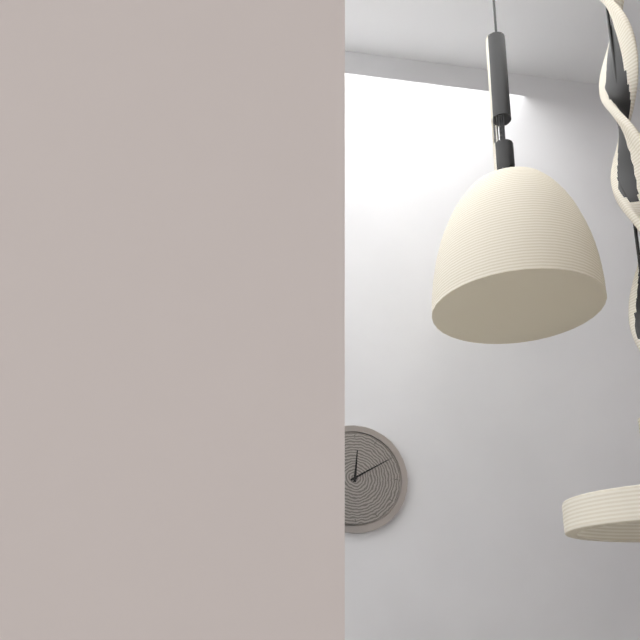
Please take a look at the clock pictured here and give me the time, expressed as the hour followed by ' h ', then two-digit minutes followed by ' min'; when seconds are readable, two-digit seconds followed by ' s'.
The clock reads 12 h 10 min
